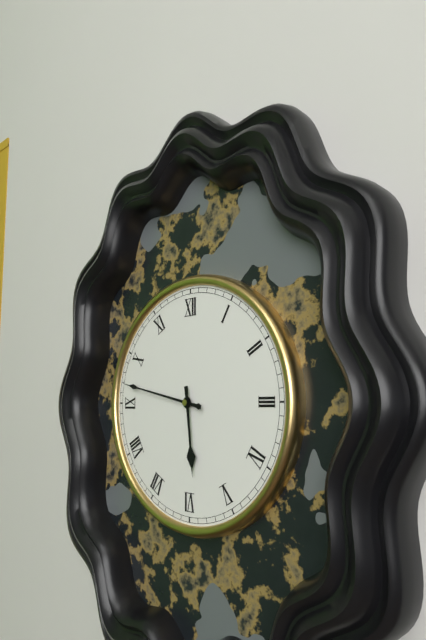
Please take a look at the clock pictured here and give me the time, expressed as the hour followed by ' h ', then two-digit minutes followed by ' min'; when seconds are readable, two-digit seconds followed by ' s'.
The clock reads 5 h 47 min
